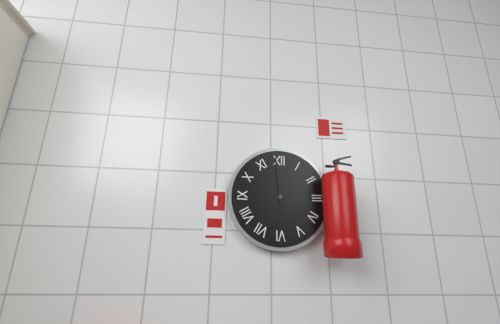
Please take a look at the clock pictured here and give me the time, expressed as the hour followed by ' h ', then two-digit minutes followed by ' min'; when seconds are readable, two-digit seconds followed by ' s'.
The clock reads 1 h 59 min
